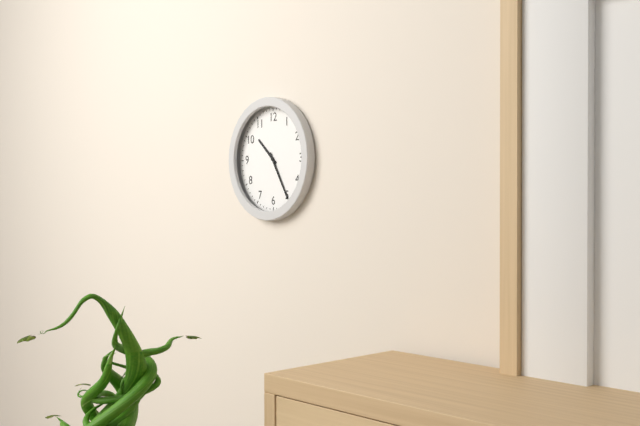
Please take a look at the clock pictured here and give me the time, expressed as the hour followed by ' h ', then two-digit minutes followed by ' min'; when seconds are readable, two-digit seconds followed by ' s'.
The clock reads 10 h 25 min
